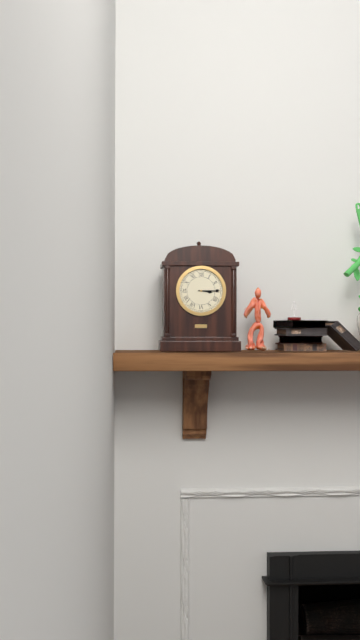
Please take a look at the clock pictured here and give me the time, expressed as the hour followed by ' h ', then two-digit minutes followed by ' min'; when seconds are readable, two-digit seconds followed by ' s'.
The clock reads 3 h 15 min
